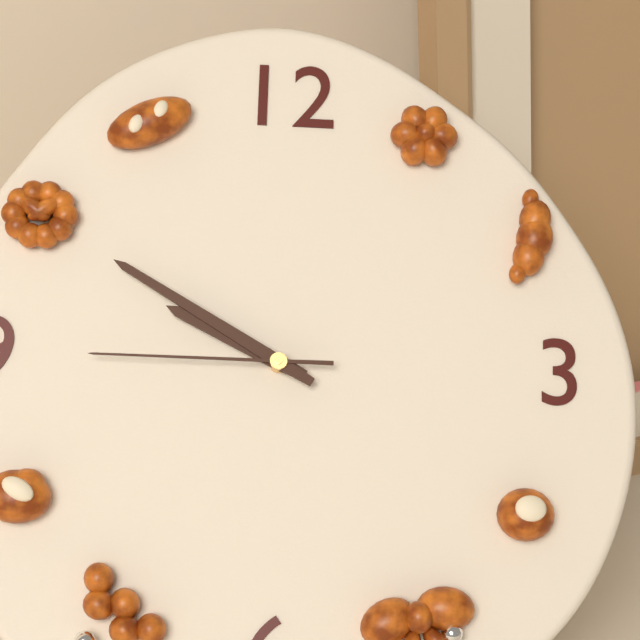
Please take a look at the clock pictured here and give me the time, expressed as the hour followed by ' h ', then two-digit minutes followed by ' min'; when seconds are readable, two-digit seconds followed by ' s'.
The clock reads 9 h 50 min 45 s
